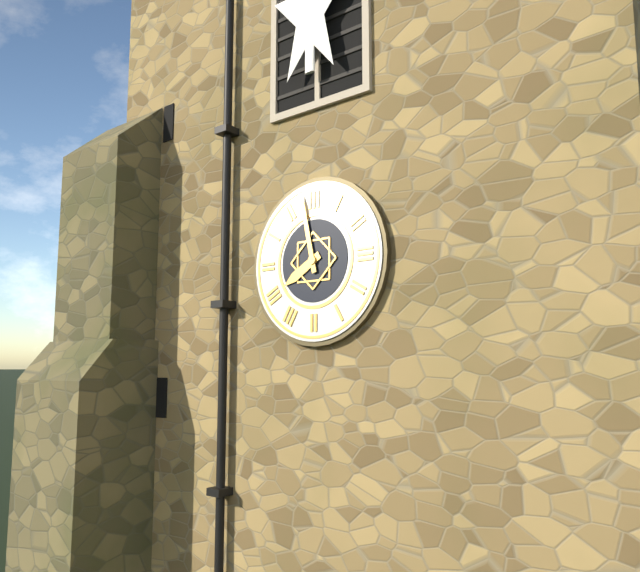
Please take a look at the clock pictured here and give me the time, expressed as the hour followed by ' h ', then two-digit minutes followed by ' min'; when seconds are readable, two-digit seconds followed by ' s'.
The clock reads 7 h 58 min
